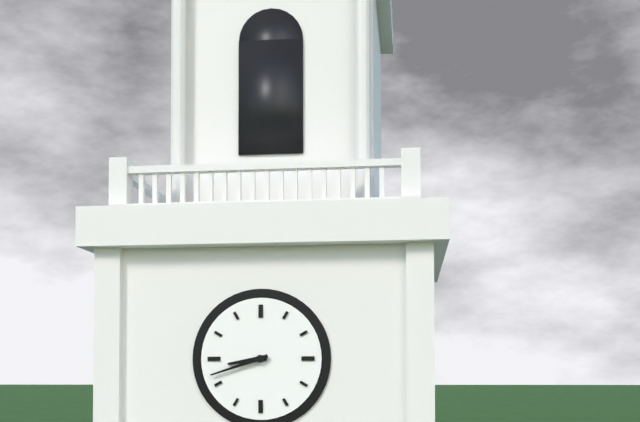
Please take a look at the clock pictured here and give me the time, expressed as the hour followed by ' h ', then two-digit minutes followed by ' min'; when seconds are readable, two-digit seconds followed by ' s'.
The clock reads 8 h 42 min
